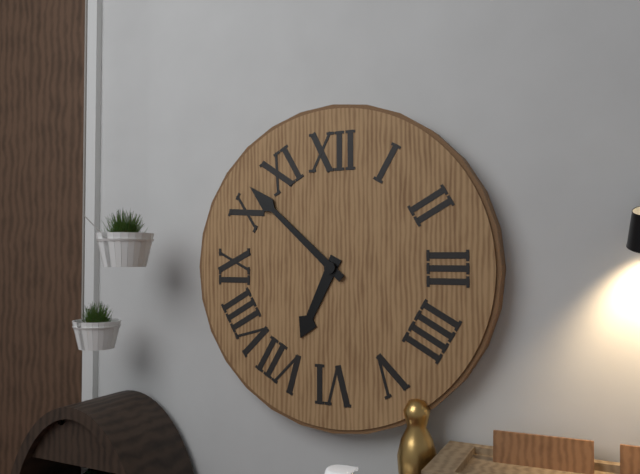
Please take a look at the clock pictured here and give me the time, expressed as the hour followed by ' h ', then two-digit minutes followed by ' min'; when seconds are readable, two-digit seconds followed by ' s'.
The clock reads 6 h 52 min
